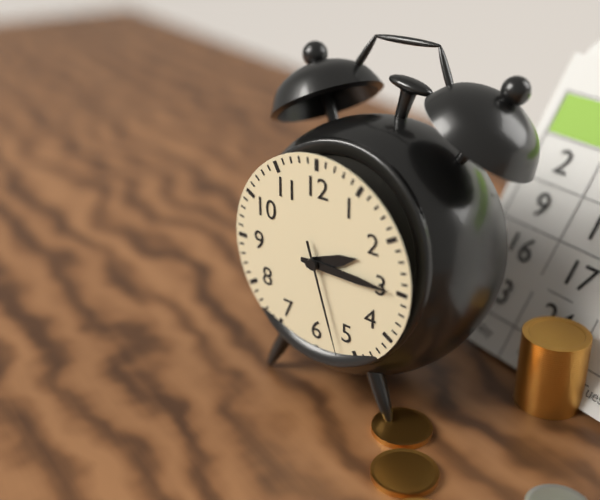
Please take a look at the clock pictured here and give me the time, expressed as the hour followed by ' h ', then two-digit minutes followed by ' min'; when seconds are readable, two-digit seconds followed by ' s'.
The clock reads 2 h 15 min 27 s
